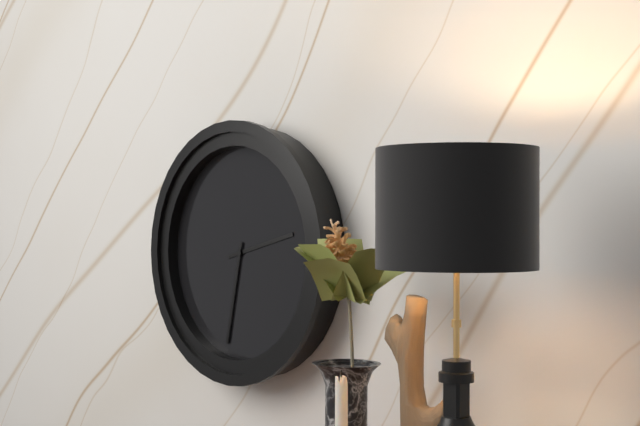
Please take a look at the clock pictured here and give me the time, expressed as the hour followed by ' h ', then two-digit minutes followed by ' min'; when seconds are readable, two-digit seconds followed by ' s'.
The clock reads 2 h 32 min
